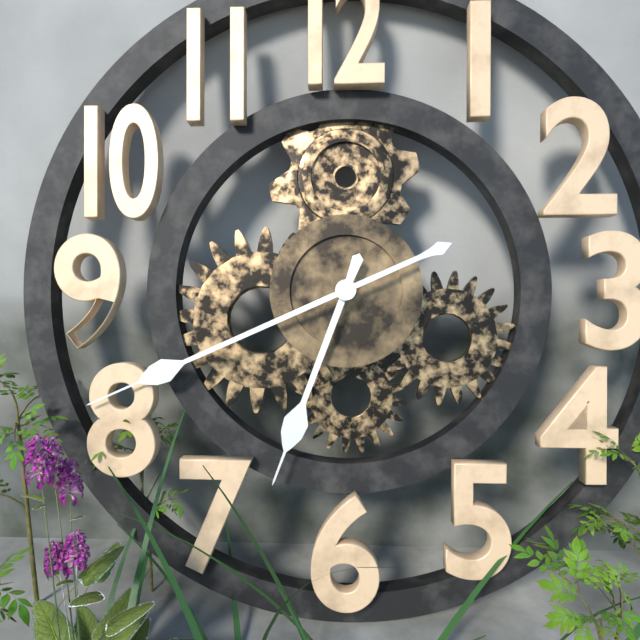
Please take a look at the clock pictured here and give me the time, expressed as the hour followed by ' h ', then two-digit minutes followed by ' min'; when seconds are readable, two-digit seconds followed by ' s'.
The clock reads 6 h 41 min
